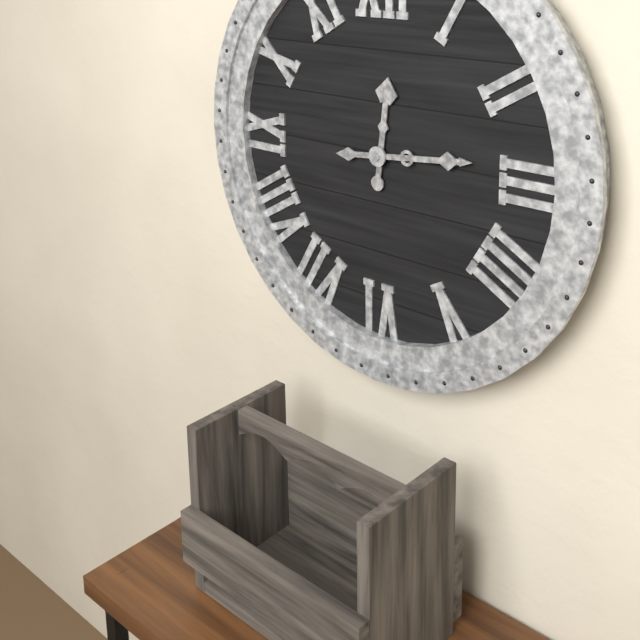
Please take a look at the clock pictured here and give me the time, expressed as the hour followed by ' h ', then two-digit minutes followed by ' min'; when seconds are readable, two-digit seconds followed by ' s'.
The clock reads 12 h 14 min
